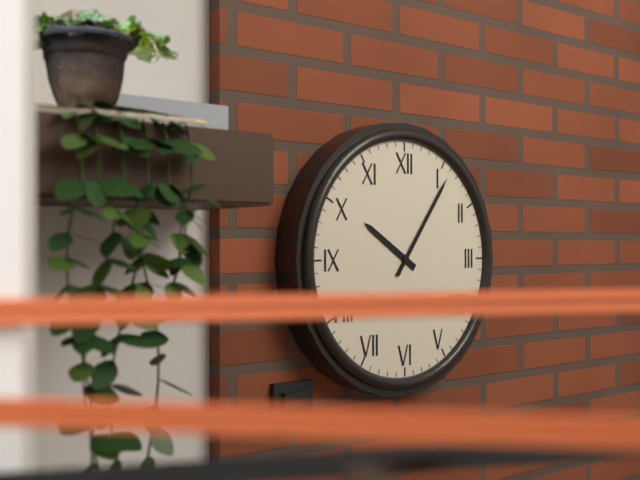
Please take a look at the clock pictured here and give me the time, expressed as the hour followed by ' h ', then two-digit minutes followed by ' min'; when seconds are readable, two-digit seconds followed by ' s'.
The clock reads 10 h 06 min
